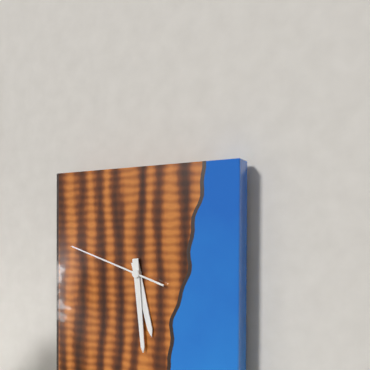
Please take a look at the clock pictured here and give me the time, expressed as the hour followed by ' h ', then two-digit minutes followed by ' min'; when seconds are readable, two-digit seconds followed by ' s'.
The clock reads 5 h 29 min 48 s
